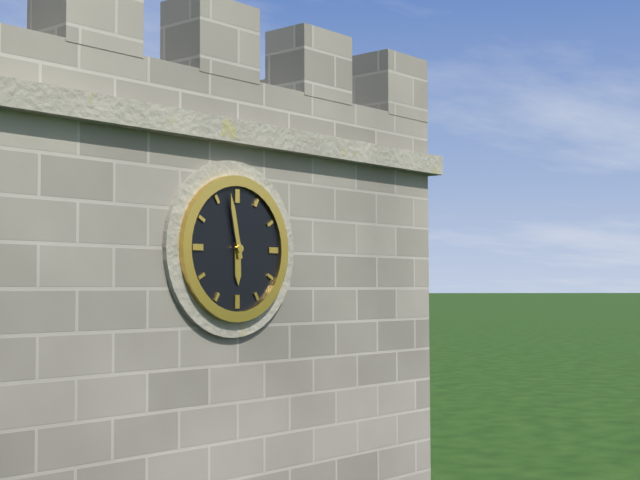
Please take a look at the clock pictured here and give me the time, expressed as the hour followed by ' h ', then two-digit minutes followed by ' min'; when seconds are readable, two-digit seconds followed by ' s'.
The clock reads 5 h 58 min
